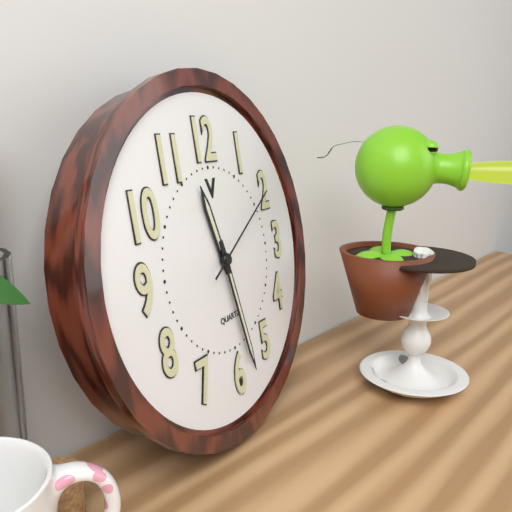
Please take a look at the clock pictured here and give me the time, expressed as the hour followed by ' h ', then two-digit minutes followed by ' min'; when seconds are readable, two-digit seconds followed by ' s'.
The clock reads 11 h 28 min 10 s
